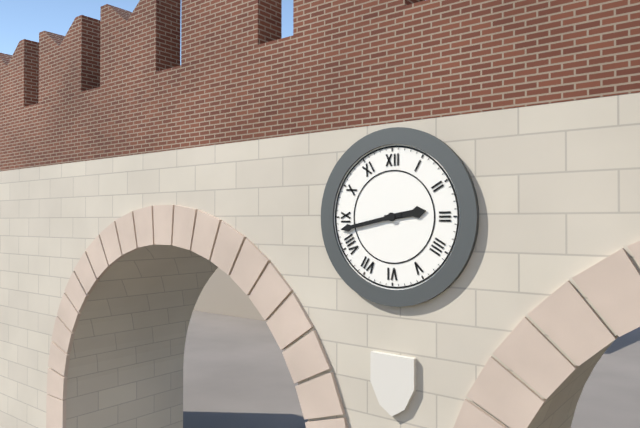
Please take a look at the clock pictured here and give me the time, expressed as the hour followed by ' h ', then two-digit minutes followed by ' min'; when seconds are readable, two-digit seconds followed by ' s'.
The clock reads 2 h 43 min
